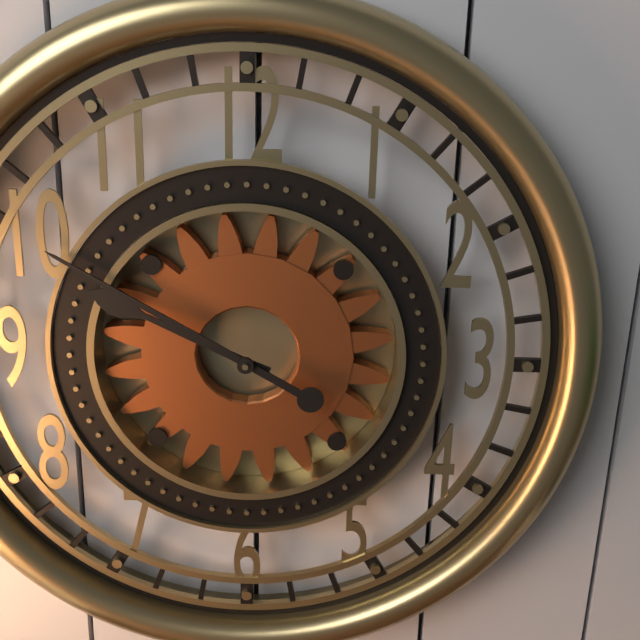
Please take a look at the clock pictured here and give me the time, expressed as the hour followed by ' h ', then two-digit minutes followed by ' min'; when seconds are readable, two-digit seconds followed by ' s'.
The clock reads 9 h 50 min
